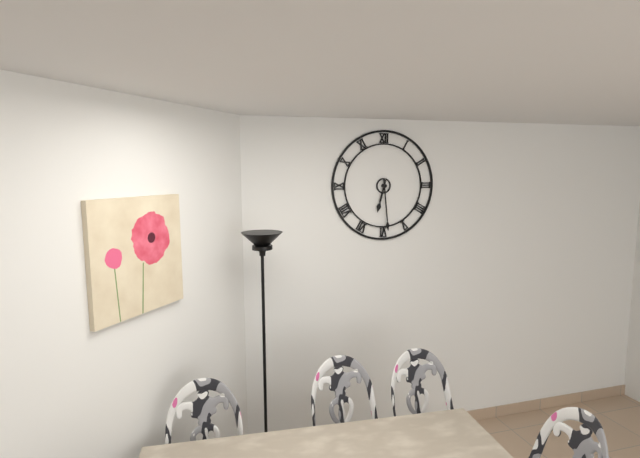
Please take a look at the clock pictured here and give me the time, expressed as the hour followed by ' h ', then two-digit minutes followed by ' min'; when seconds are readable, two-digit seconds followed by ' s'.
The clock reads 6 h 29 min
